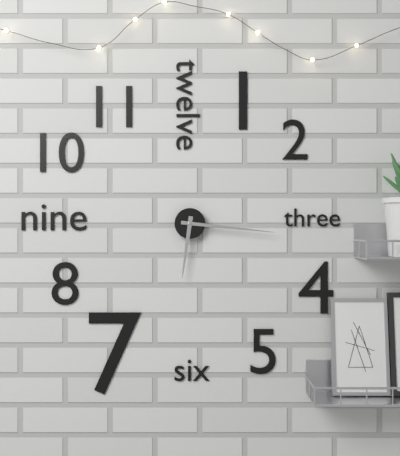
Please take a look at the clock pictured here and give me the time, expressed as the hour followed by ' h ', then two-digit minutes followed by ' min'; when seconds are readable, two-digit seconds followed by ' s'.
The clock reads 6 h 16 min
